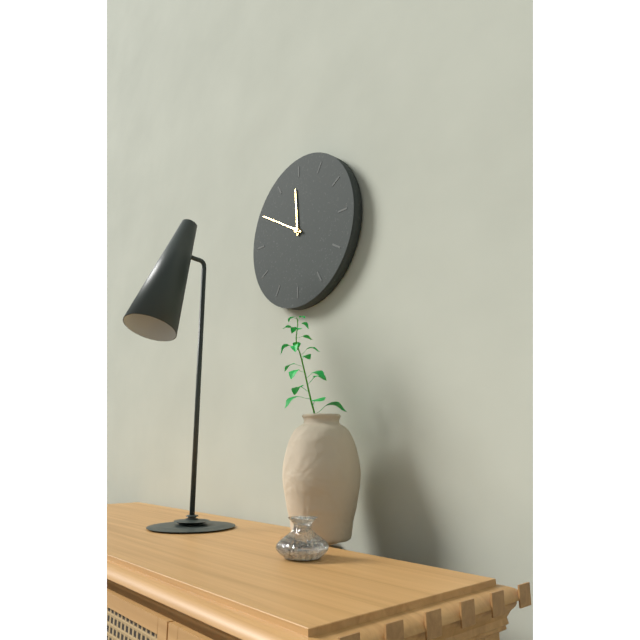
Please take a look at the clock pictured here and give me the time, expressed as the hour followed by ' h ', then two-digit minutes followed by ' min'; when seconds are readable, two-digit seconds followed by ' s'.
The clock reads 11 h 50 min
